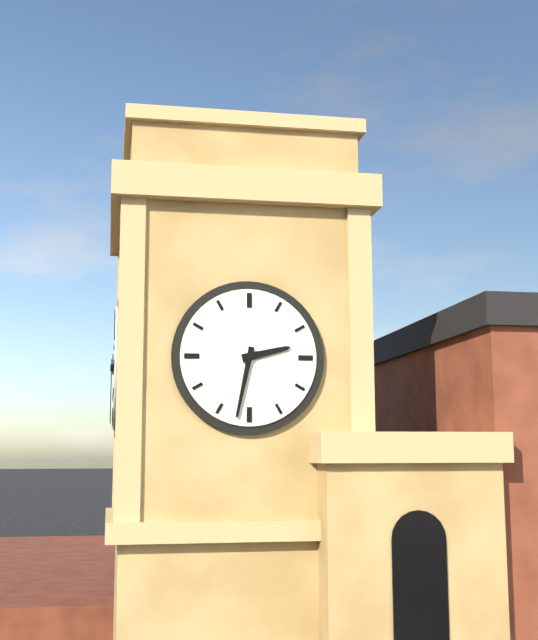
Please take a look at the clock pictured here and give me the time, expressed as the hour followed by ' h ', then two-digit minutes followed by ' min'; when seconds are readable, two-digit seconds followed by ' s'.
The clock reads 2 h 32 min
